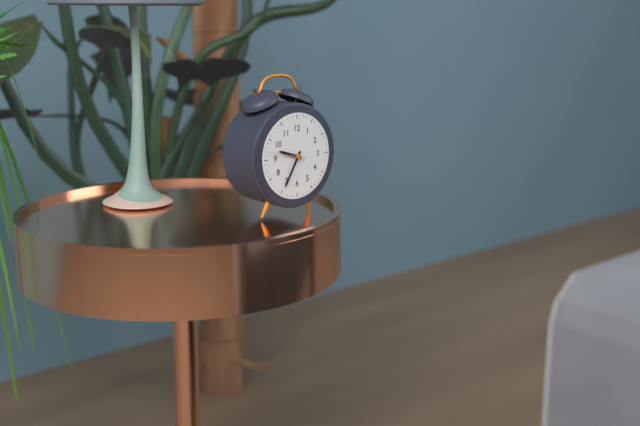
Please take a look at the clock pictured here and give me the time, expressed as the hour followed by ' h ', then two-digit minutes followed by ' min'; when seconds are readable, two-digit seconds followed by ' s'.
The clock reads 9 h 35 min
